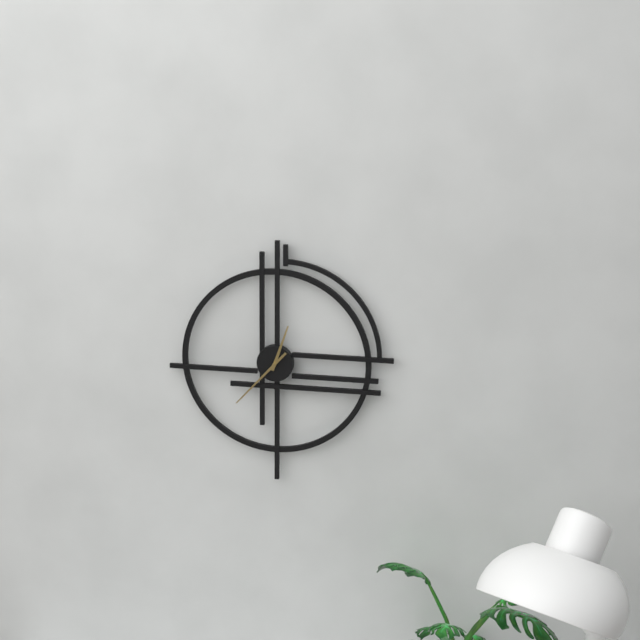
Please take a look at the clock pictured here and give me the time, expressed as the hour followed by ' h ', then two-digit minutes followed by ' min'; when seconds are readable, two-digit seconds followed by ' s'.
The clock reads 12 h 37 min
